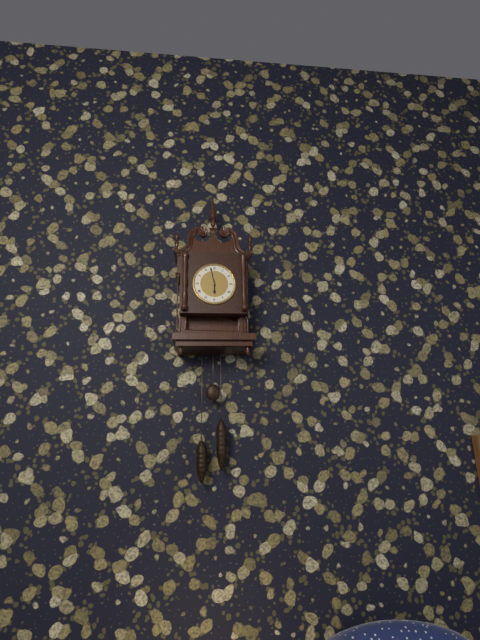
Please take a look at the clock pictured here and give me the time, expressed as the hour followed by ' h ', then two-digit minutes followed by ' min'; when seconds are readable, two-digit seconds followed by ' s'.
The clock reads 5 h 58 min
